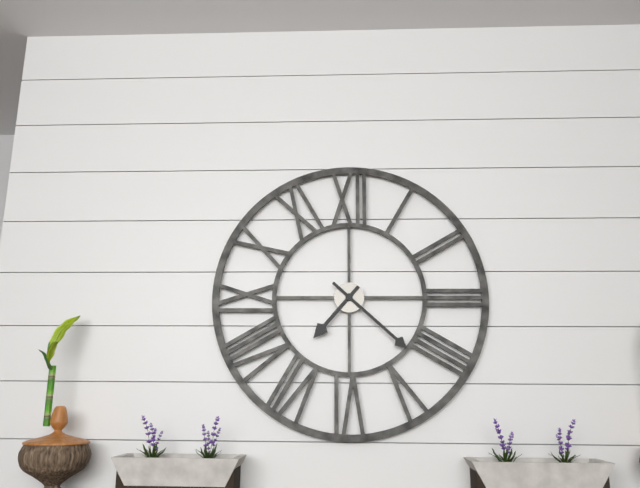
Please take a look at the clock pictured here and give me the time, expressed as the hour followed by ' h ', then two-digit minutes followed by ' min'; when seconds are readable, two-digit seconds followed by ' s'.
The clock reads 7 h 22 min
